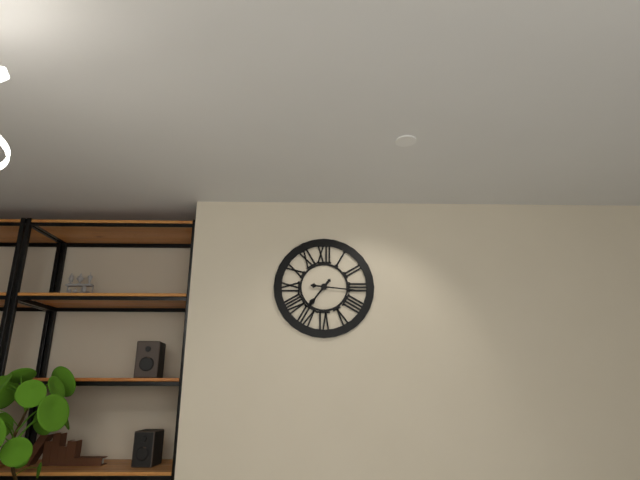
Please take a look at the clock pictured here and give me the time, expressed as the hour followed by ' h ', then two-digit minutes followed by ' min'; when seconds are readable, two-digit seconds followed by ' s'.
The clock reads 7 h 16 min
